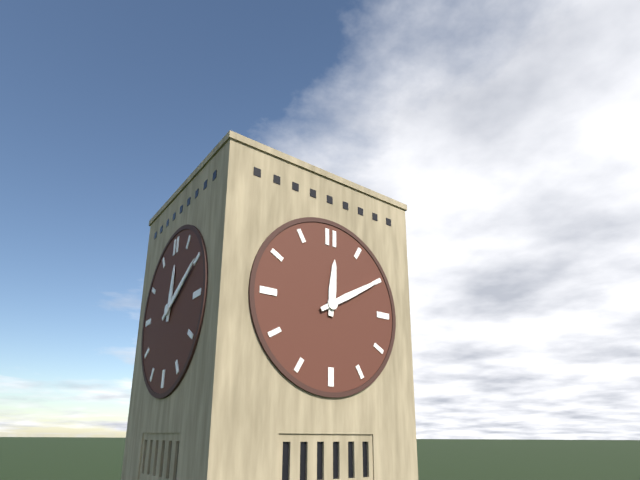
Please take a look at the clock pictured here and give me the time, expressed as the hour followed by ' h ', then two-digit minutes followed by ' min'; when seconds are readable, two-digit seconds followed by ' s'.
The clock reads 12 h 10 min
